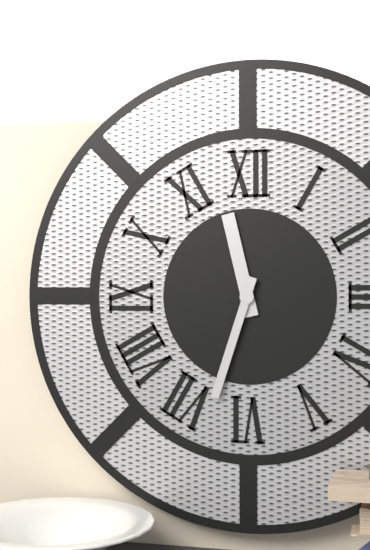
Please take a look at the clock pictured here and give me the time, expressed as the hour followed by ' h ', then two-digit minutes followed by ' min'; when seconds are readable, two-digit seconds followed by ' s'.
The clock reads 11 h 33 min
